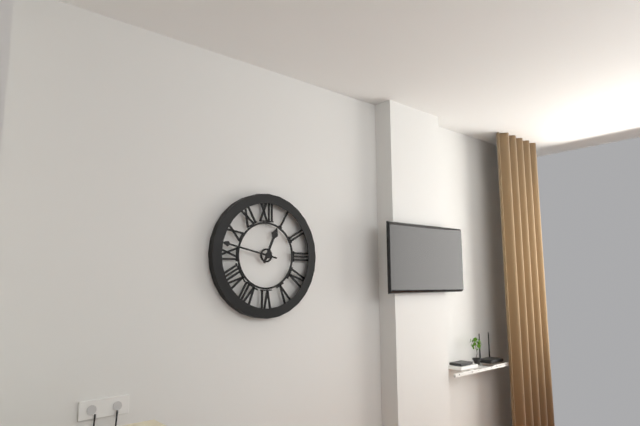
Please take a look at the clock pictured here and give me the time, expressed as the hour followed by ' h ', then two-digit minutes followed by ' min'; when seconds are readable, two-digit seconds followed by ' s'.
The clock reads 12 h 47 min
